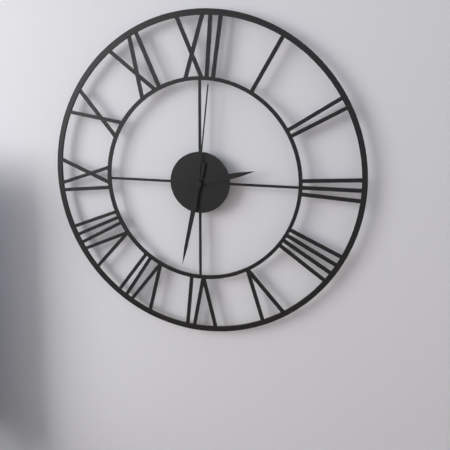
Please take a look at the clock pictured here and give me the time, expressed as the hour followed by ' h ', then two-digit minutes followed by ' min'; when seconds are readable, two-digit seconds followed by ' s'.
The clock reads 2 h 32 min 01 s
